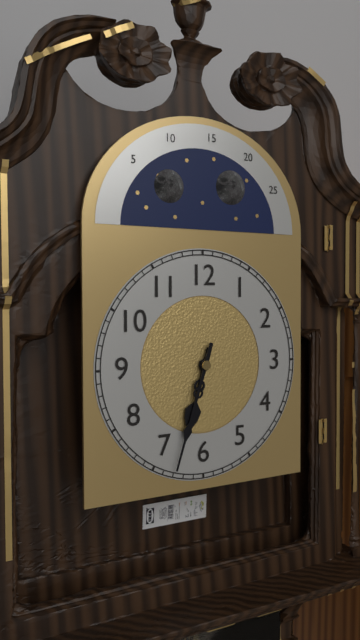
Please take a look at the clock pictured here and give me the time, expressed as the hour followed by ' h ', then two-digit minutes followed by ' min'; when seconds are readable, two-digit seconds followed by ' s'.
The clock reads 6 h 33 min
